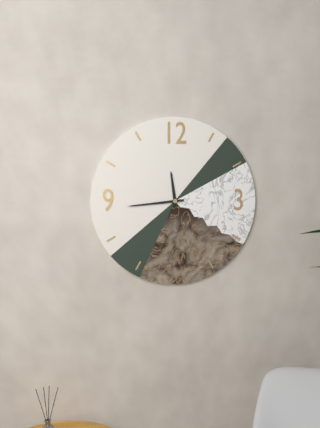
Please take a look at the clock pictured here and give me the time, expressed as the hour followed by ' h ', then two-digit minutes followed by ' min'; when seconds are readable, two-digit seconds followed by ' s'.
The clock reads 11 h 44 min
